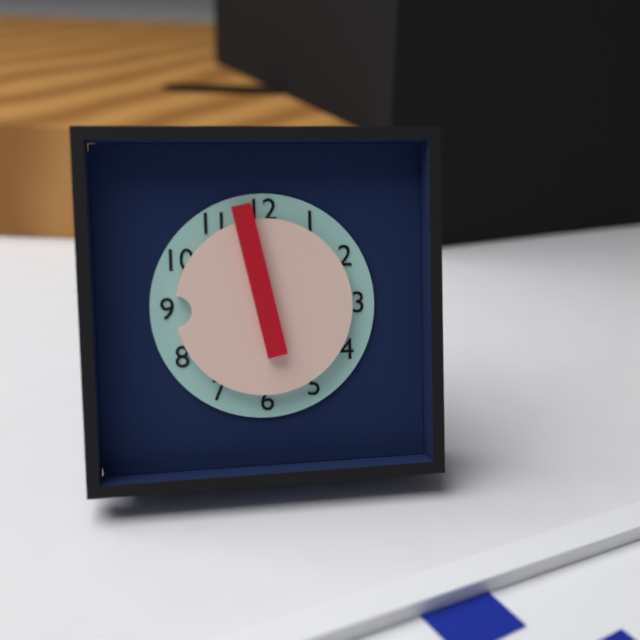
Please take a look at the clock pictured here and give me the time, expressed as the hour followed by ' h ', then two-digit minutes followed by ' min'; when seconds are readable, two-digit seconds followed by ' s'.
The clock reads 8 h 58 min
